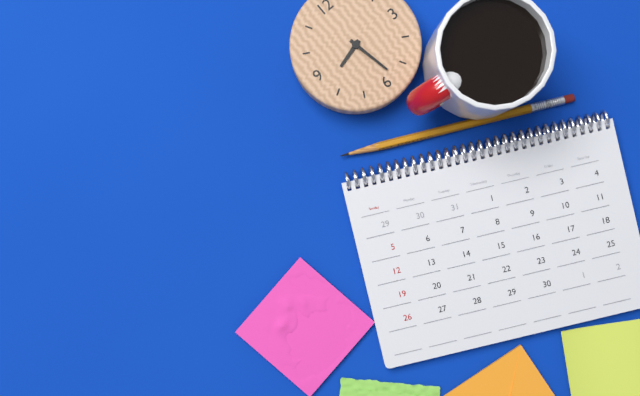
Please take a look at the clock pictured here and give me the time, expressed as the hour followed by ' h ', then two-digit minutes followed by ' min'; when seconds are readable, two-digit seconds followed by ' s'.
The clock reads 8 h 28 min
